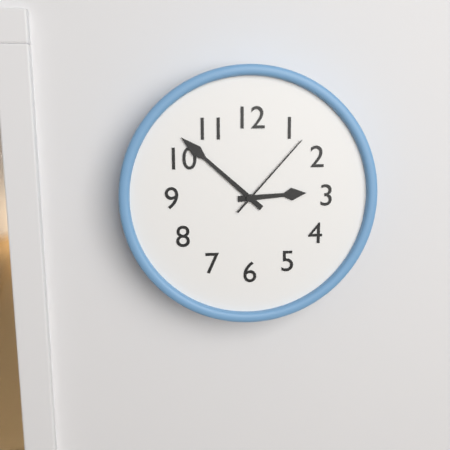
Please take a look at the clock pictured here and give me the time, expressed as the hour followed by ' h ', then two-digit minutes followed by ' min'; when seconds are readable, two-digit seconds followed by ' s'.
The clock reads 2 h 52 min 07 s
